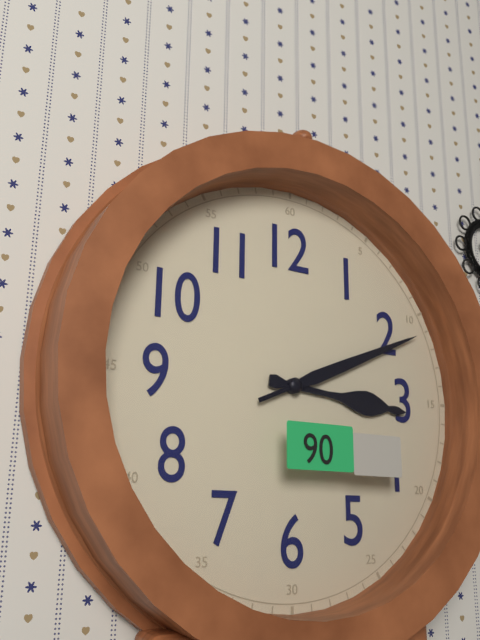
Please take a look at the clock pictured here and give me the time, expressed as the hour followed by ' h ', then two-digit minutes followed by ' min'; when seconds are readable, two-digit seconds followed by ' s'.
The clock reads 3 h 11 min
